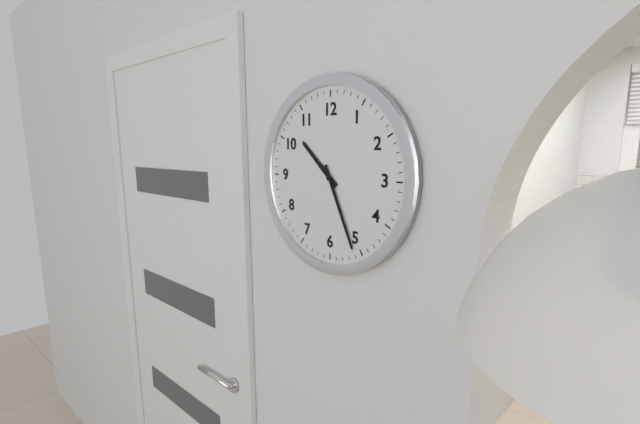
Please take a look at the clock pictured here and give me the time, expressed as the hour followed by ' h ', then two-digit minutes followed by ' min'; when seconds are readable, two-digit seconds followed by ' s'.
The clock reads 10 h 26 min
